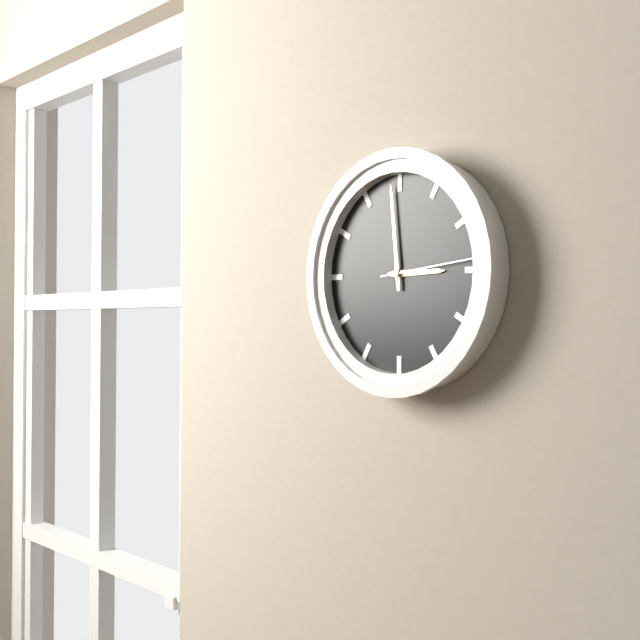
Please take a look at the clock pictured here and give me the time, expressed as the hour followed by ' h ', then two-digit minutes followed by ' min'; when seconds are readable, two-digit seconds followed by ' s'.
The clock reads 2 h 59 min 14 s
